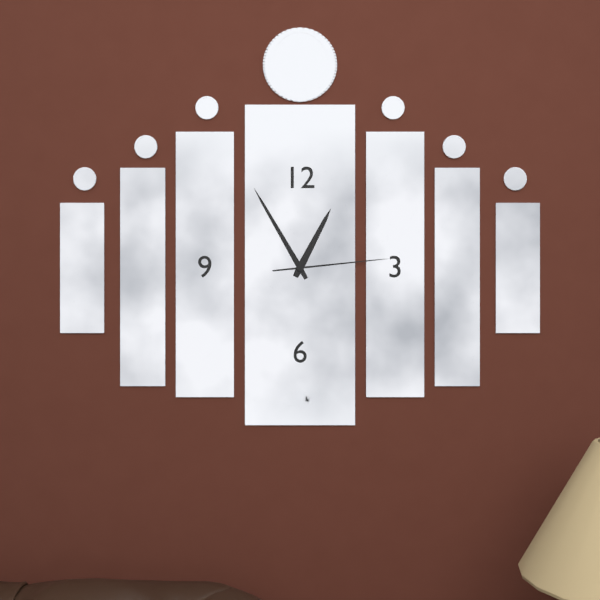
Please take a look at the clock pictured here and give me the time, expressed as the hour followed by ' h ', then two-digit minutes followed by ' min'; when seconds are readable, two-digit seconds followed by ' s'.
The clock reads 12 h 55 min 14 s
